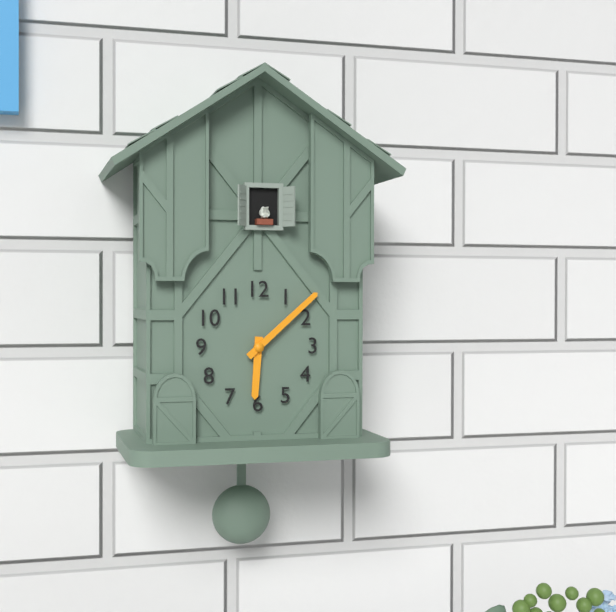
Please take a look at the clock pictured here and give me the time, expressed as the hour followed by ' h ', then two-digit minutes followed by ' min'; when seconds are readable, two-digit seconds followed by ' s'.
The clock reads 6 h 08 min
